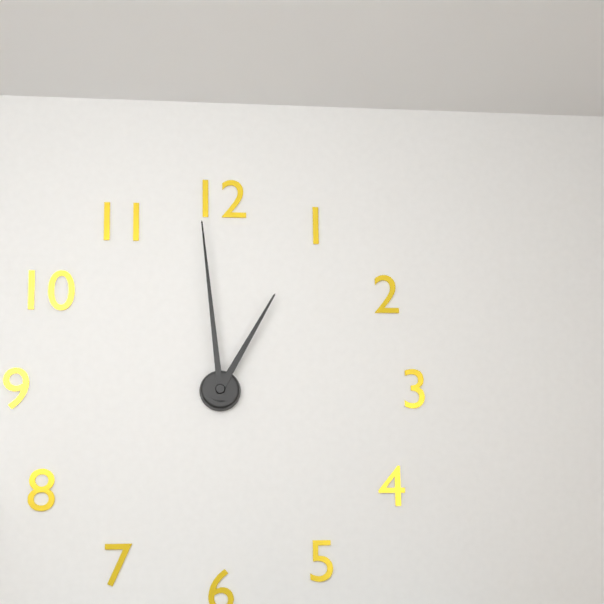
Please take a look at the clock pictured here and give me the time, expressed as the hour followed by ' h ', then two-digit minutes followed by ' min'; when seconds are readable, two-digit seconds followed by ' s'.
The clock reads 12 h 59 min
